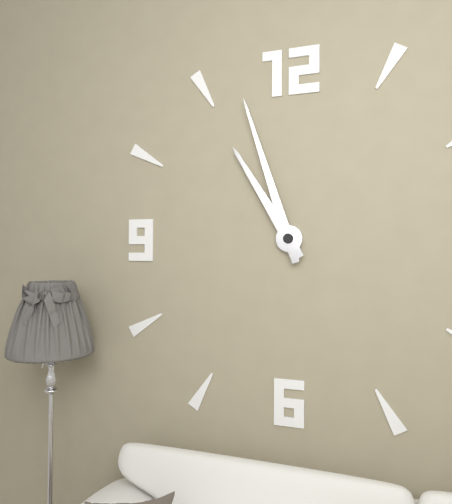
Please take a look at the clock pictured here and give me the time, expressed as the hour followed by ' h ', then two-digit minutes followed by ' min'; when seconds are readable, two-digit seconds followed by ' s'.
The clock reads 10 h 57 min
